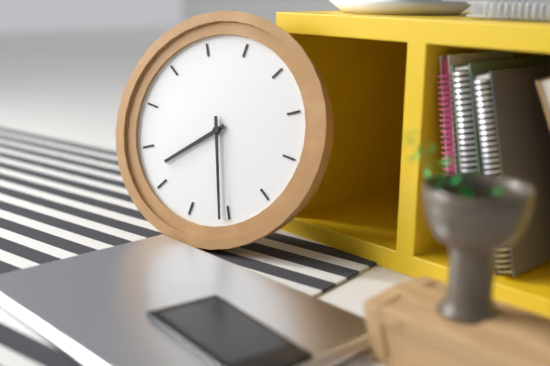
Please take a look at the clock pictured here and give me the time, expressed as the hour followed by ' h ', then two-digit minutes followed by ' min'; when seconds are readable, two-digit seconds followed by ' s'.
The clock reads 7 h 26 min
